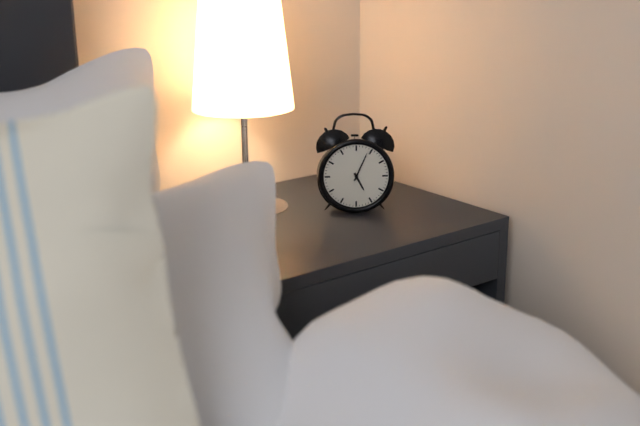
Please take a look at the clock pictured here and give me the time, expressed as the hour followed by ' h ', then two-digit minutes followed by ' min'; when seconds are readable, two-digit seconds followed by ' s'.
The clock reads 5 h 04 min
